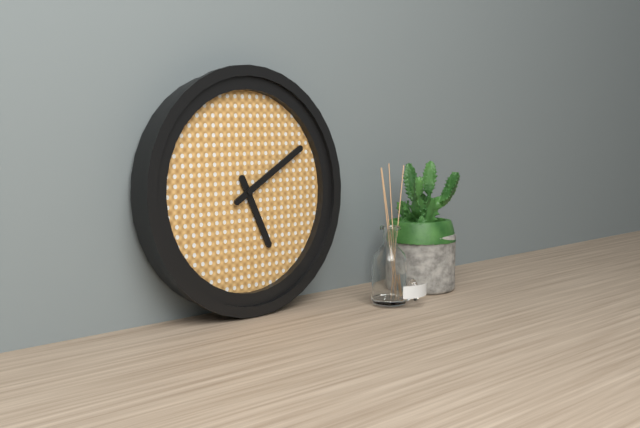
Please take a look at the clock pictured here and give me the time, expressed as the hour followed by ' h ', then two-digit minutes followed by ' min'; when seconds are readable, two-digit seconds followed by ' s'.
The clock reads 5 h 10 min
